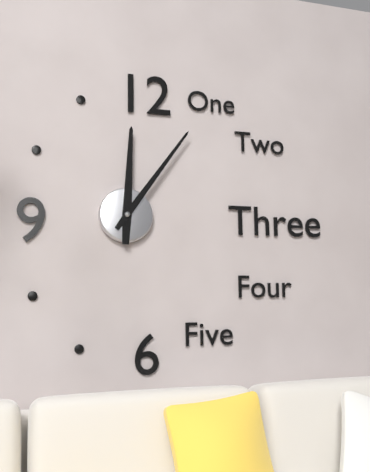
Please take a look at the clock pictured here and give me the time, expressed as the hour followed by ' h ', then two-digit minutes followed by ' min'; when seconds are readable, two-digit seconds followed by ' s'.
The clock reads 12 h 06 min
